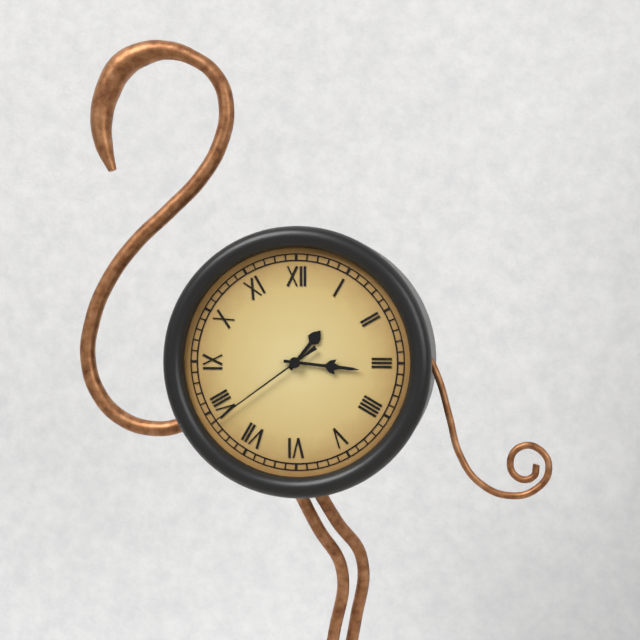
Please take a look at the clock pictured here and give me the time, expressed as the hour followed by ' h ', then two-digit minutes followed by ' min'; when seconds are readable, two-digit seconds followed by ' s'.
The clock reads 1 h 16 min 39 s
